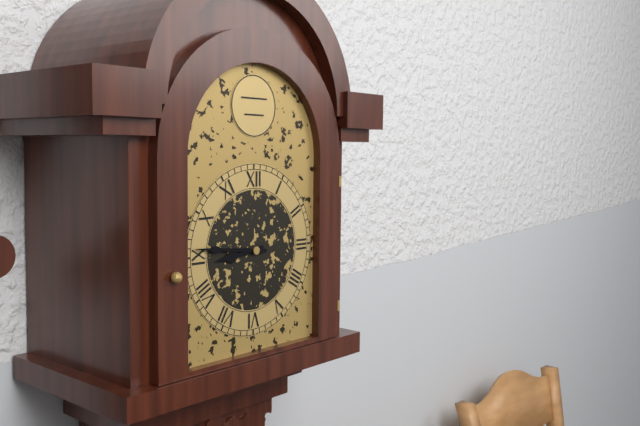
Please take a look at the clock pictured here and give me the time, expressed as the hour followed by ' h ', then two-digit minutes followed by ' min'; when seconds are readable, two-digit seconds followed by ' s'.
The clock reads 8 h 46 min
